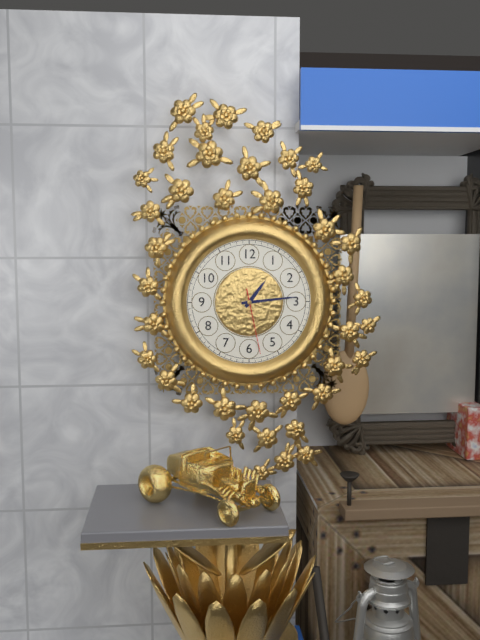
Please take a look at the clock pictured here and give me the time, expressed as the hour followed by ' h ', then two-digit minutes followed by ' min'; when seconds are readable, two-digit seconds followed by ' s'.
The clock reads 1 h 14 min 28 s
